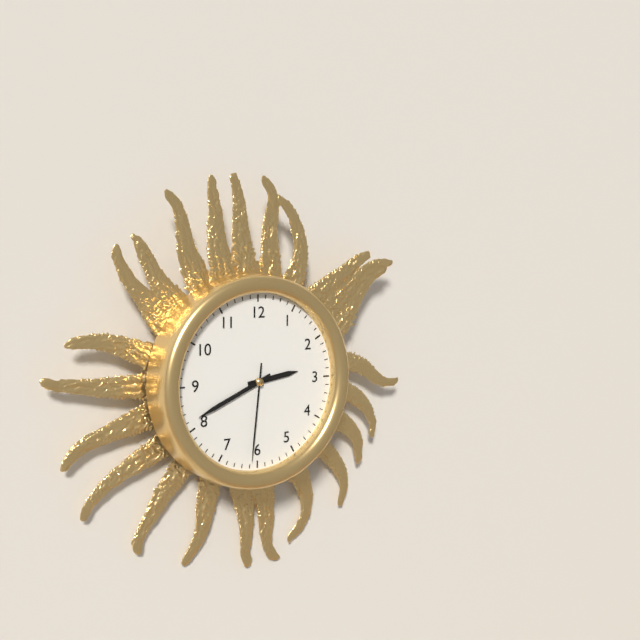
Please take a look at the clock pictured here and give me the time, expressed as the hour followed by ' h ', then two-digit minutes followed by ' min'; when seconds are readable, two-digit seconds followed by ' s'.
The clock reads 2 h 41 min 31 s
